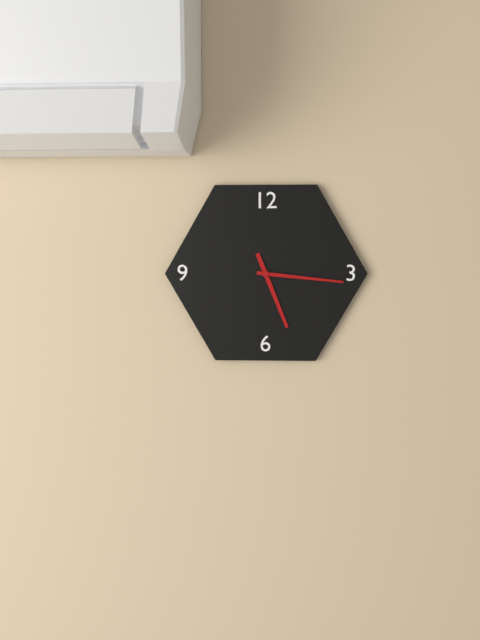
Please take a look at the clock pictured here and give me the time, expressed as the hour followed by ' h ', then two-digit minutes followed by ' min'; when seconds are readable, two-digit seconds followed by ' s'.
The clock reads 5 h 16 min
